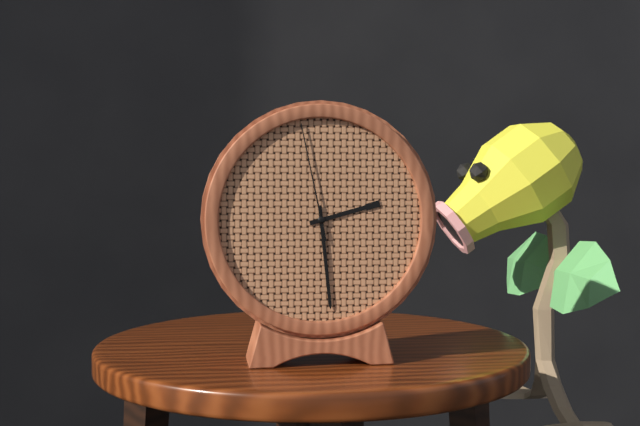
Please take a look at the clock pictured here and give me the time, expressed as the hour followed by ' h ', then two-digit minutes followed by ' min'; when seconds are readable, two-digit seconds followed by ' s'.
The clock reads 2 h 29 min 58 s
